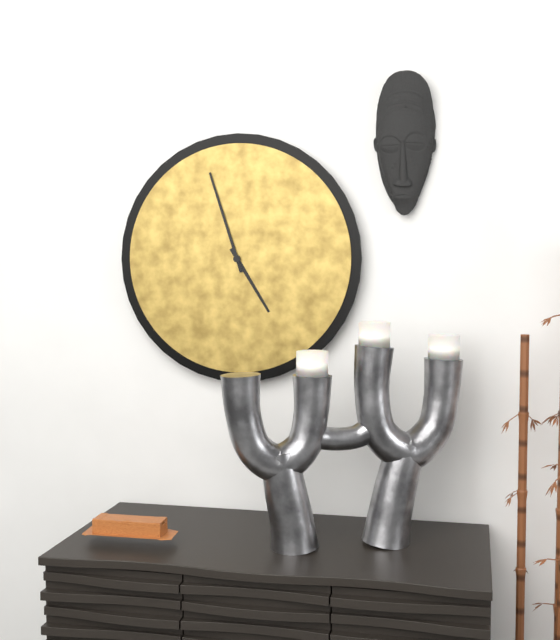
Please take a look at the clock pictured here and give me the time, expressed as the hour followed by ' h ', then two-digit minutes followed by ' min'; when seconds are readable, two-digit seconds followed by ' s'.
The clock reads 4 h 57 min
